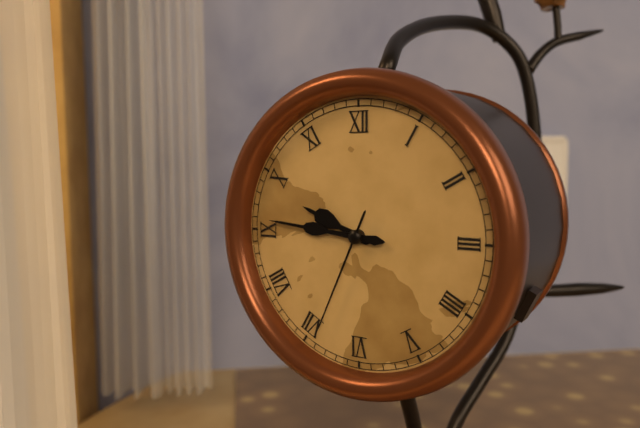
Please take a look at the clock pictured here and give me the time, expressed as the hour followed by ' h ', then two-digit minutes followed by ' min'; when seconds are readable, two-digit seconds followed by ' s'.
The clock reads 9 h 46 min 34 s
